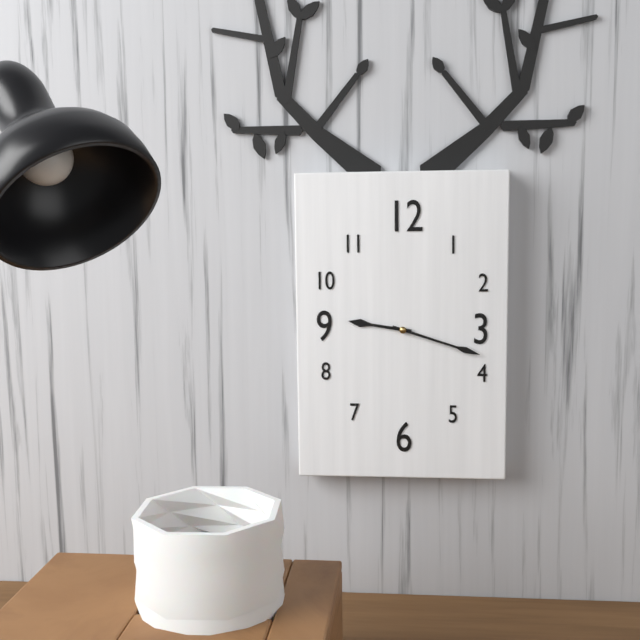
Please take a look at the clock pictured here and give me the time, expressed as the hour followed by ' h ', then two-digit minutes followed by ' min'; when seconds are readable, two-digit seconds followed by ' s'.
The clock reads 9 h 18 min
